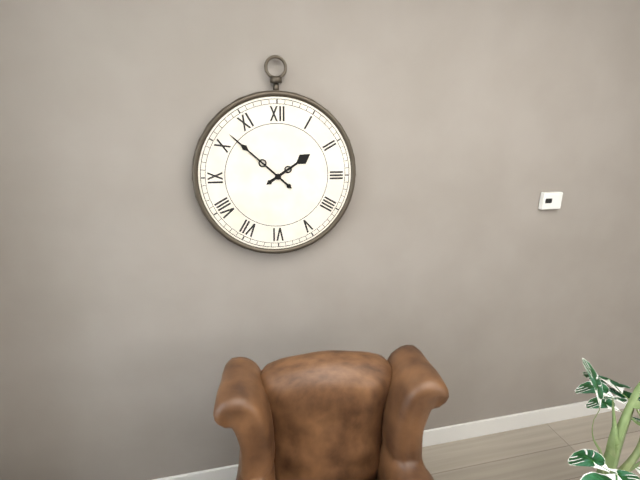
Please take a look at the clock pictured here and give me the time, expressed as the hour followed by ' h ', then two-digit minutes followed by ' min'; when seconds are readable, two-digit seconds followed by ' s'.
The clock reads 1 h 52 min
